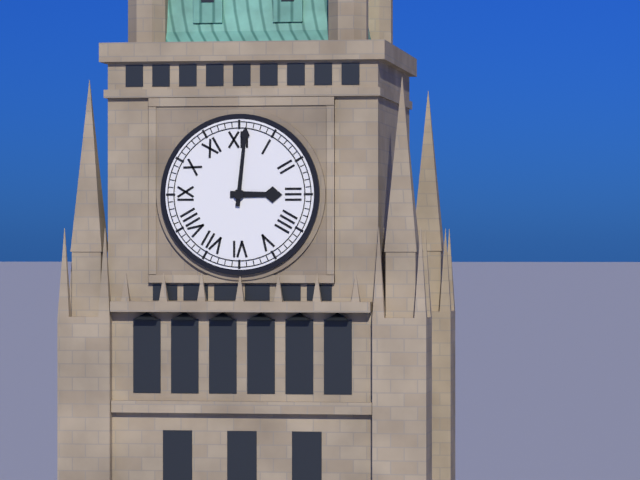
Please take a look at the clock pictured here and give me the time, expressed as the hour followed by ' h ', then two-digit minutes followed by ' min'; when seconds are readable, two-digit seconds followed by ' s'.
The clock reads 3 h 01 min
